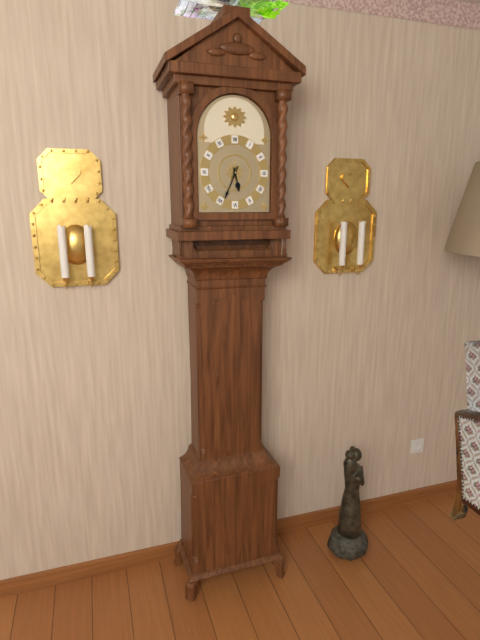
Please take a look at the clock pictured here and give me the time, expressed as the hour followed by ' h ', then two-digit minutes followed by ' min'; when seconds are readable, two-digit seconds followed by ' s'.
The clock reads 5 h 34 min
